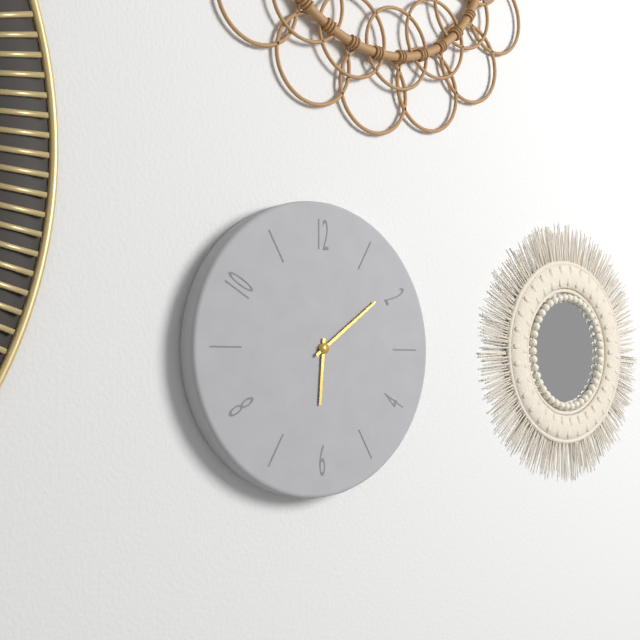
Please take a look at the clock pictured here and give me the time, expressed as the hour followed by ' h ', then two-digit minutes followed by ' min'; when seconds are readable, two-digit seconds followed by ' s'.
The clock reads 6 h 09 min
